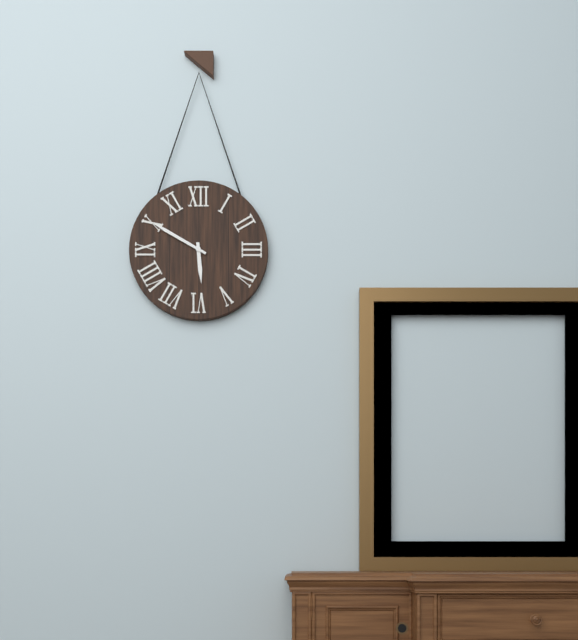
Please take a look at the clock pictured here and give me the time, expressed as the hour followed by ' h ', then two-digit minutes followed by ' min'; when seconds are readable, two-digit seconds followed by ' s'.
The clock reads 5 h 50 min
